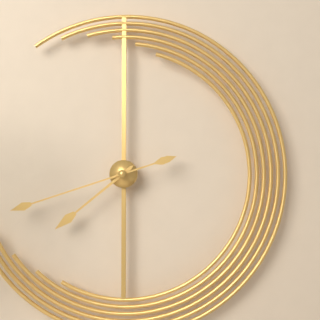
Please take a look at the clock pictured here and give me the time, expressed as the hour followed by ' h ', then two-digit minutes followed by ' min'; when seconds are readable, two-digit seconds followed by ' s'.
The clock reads 7 h 42 min
